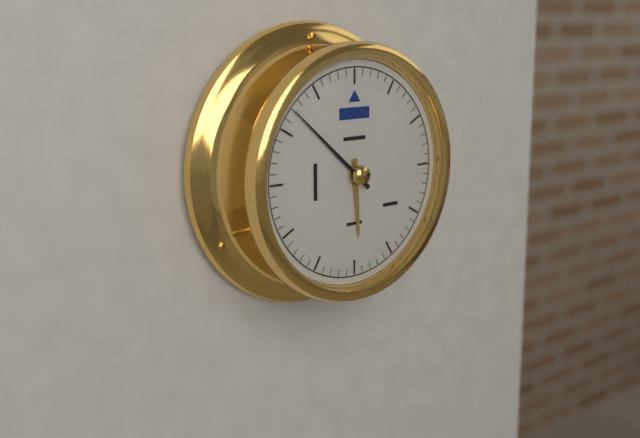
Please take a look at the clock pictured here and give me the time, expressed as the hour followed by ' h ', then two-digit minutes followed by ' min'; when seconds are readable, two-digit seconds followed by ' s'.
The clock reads 5 h 52 min
